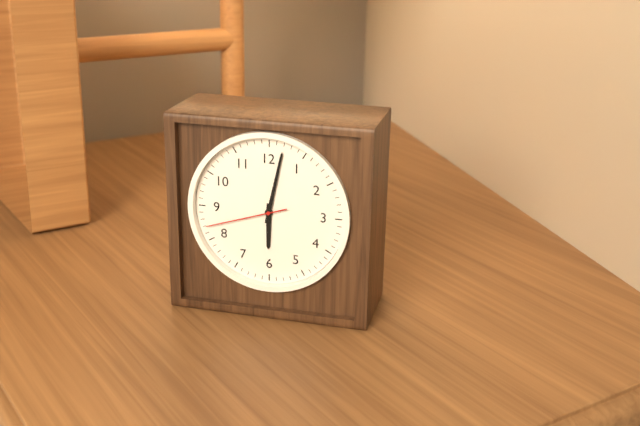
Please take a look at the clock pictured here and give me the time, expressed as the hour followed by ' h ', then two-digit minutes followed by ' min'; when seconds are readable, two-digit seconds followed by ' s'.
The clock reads 6 h 02 min 42 s
